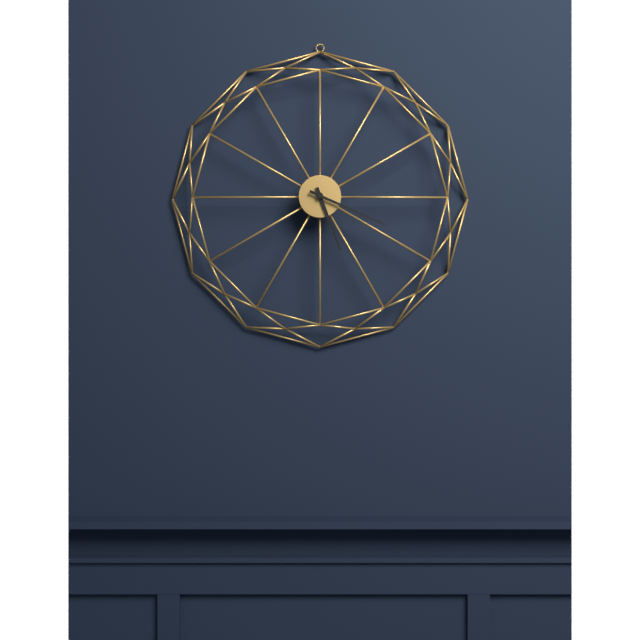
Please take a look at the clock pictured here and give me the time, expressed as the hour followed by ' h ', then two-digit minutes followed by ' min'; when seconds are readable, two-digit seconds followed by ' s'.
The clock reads 5 h 19 min
